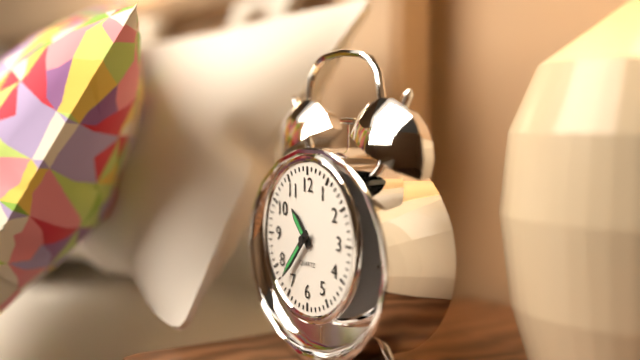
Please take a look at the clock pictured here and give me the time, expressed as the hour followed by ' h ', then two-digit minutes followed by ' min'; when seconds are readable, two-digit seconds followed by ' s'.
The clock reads 10 h 37 min
